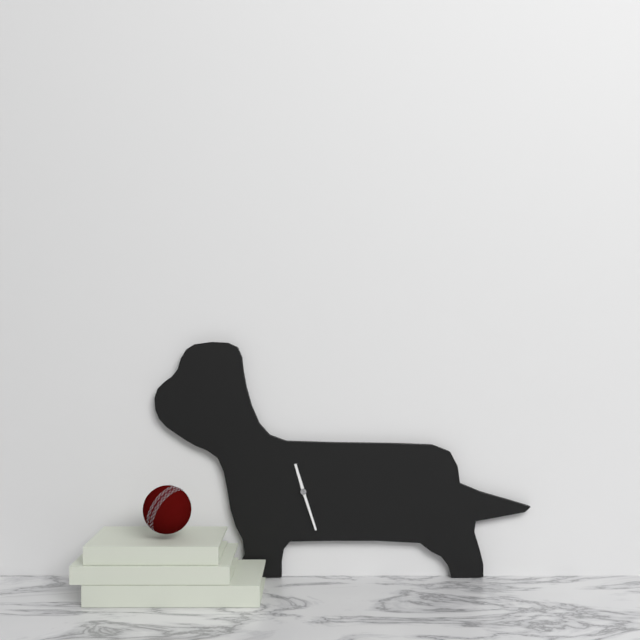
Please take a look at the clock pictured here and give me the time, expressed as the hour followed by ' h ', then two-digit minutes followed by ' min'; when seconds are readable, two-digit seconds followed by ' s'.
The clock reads 11 h 27 min
